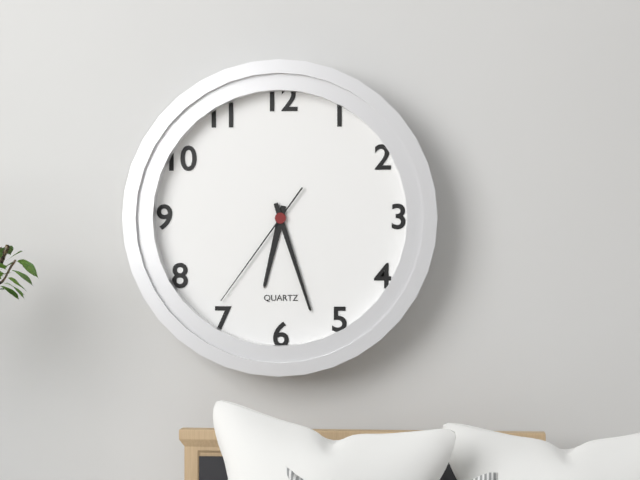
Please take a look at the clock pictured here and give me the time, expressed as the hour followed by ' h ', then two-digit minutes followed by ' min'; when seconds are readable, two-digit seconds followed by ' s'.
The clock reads 6 h 27 min 36 s
